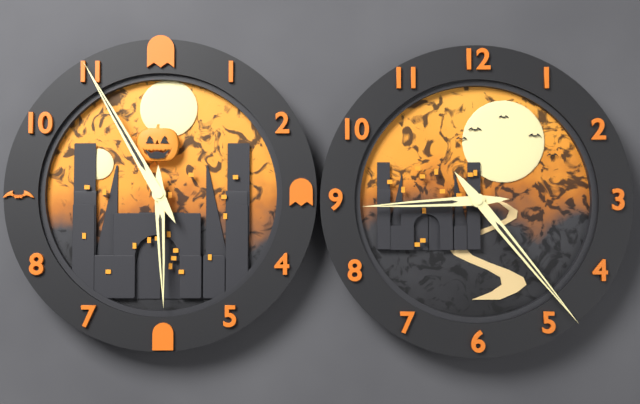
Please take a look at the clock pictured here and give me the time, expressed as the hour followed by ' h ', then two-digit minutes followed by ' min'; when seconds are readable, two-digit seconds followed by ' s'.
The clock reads 5 h 55 min
